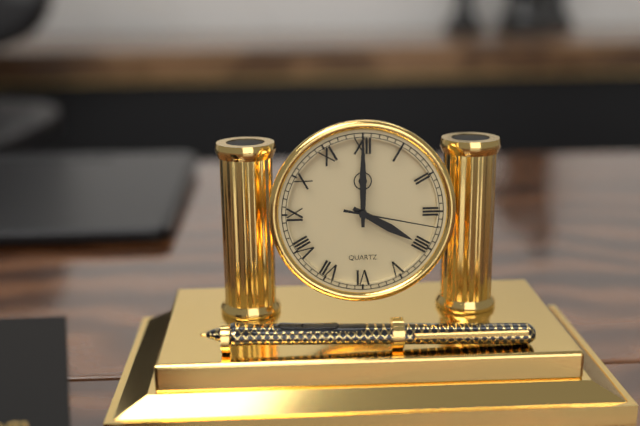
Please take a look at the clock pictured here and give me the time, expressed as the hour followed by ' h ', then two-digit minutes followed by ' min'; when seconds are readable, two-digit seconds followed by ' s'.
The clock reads 4 h 00 min 17 s
